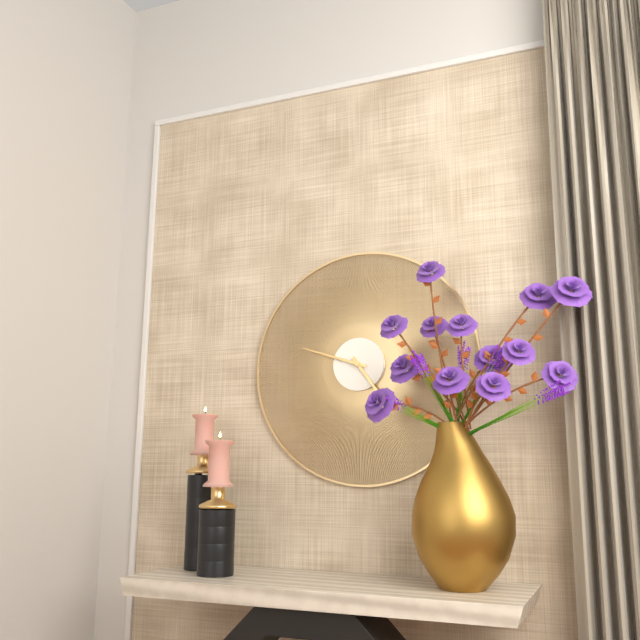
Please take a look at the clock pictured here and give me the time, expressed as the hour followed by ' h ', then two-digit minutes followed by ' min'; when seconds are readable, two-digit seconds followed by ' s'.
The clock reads 4 h 48 min
